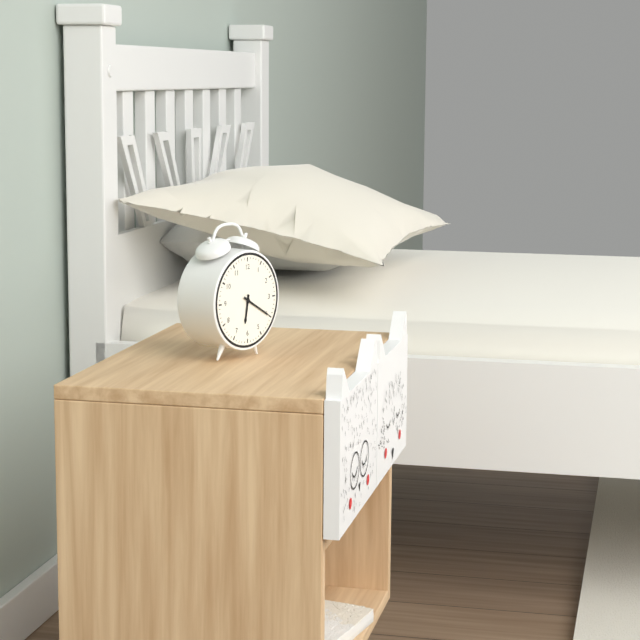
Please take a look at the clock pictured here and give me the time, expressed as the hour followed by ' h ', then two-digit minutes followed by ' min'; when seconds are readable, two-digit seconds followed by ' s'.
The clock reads 6 h 20 min
